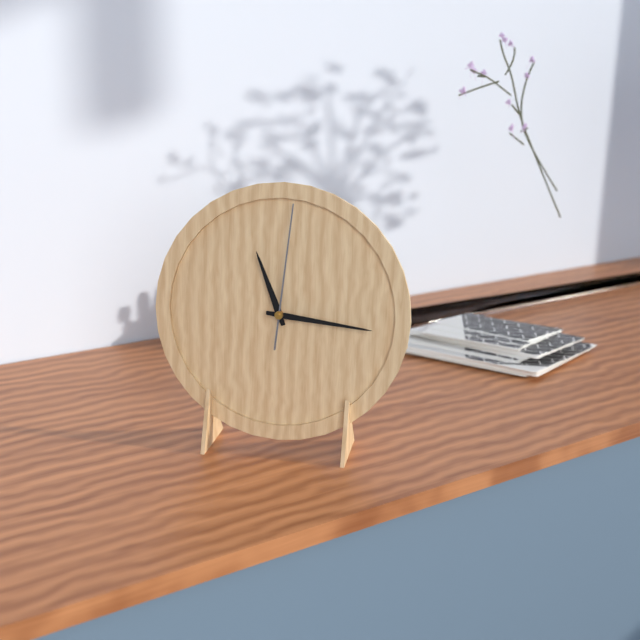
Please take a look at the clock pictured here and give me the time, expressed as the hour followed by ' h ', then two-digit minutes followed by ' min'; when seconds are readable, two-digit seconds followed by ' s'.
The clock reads 11 h 16 min 01 s
